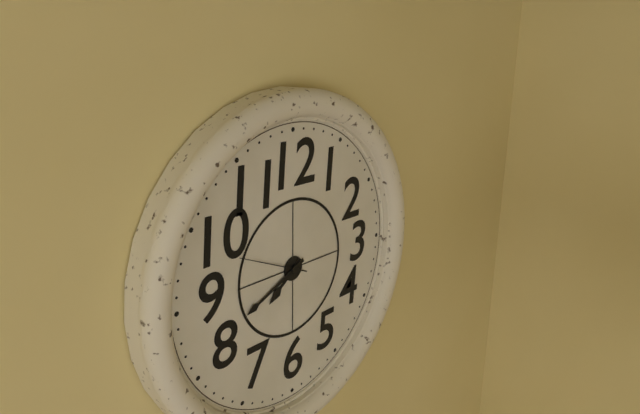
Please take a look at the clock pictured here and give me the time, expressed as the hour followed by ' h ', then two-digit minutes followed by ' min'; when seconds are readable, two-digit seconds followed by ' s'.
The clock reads 7 h 41 min 49 s
